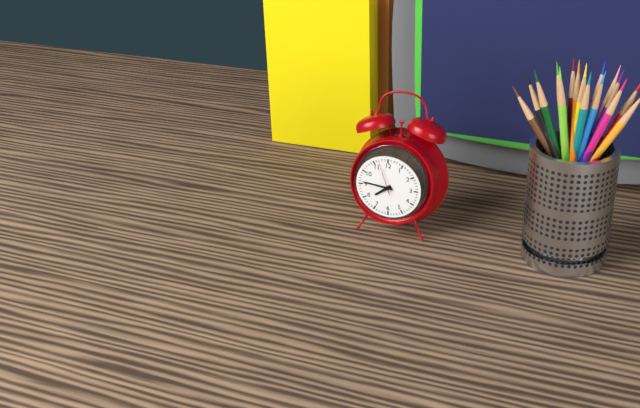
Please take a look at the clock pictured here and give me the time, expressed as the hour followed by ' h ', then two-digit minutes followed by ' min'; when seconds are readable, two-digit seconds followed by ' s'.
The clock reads 7 h 46 min
